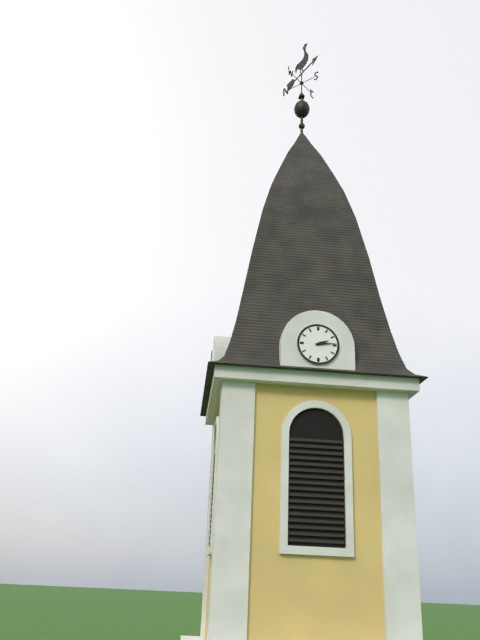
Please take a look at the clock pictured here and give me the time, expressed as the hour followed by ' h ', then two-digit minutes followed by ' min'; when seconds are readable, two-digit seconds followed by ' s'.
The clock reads 2 h 14 min
